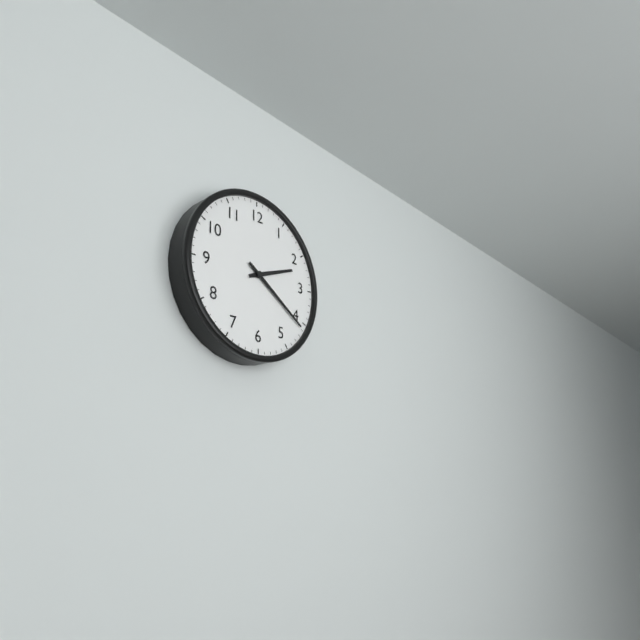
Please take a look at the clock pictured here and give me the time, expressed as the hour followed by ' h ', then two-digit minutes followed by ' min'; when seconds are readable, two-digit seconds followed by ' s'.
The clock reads 2 h 21 min
